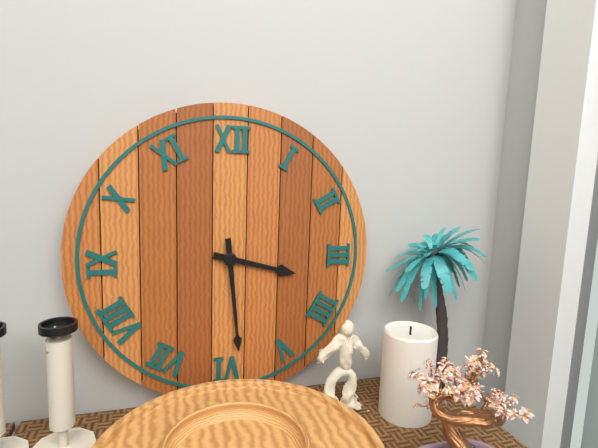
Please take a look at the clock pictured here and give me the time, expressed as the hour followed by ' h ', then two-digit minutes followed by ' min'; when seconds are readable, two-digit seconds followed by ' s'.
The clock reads 3 h 29 min
